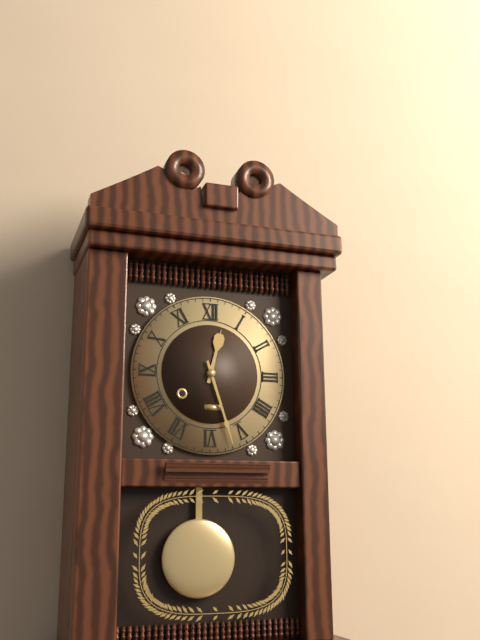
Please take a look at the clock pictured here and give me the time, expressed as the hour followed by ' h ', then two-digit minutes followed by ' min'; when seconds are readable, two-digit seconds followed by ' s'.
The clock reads 12 h 27 min
